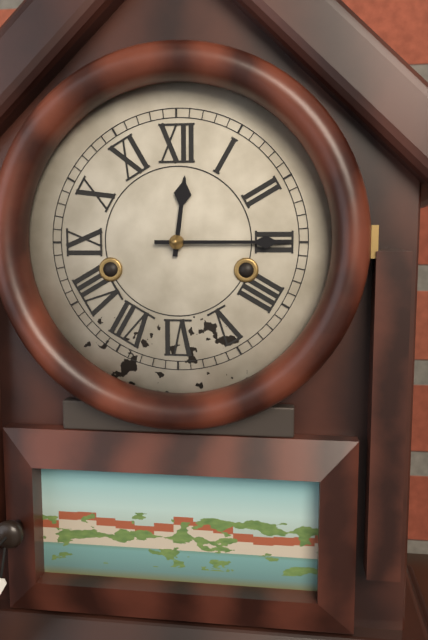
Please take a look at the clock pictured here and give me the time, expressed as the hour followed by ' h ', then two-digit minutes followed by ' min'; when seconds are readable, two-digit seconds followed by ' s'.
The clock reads 12 h 15 min
